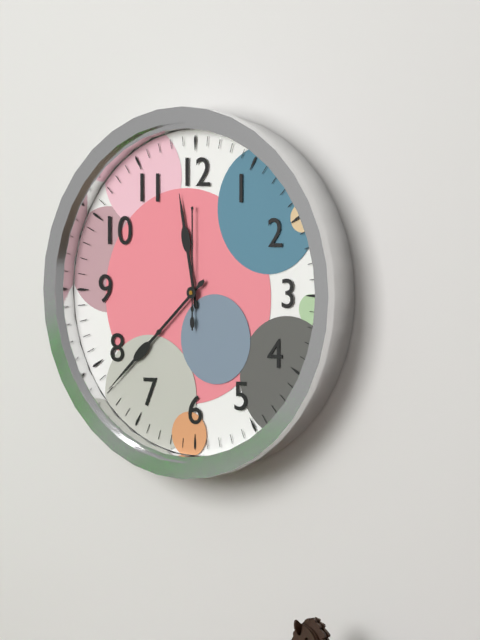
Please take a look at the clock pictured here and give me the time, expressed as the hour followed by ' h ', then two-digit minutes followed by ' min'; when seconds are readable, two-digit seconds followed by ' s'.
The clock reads 11 h 38 min 00 s
